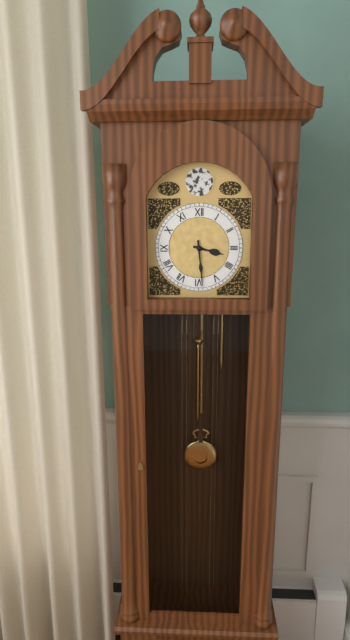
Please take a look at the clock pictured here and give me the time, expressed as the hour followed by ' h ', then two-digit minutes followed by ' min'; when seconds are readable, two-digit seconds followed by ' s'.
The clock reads 3 h 29 min
